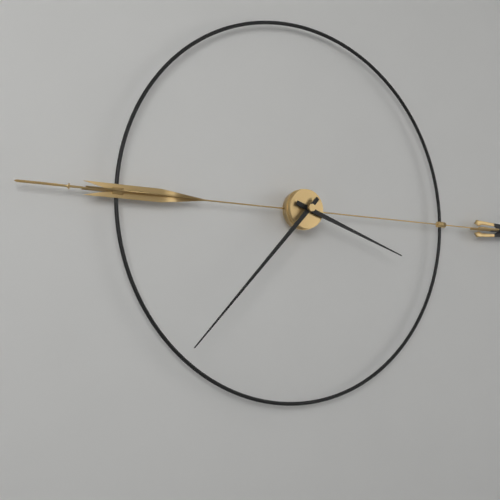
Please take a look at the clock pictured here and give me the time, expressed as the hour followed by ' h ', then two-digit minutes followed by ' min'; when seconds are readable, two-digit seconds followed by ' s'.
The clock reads 3 h 37 min
